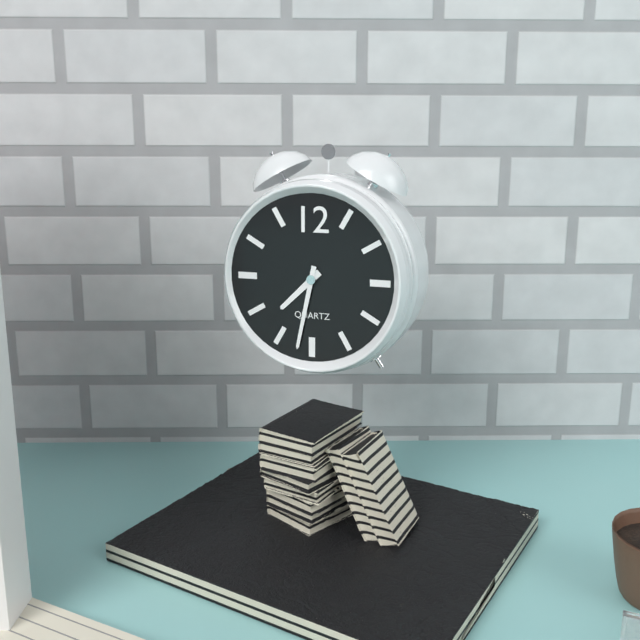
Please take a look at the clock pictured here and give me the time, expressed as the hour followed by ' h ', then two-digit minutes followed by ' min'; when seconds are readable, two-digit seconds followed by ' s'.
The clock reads 7 h 32 min
